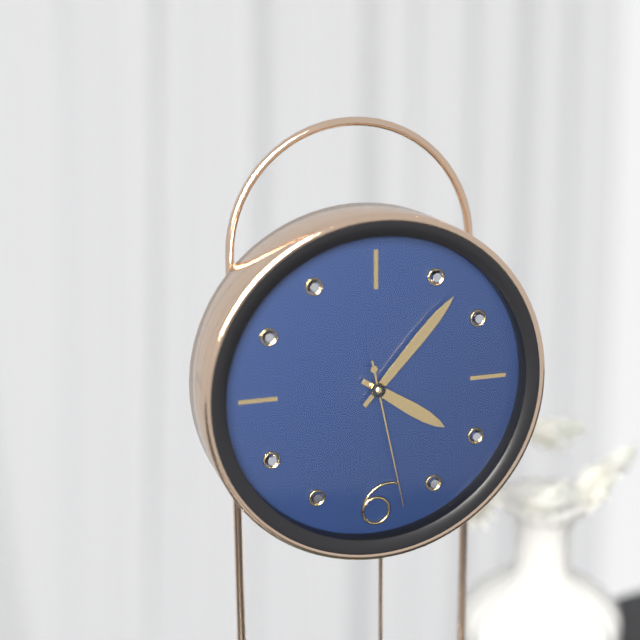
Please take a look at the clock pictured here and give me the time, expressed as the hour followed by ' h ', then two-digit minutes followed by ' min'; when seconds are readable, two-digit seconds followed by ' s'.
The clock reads 4 h 07 min 28 s
